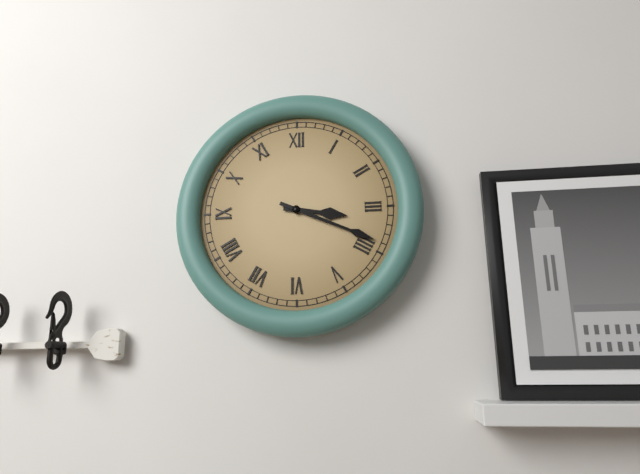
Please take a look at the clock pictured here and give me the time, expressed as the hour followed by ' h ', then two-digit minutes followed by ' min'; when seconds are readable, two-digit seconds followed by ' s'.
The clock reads 3 h 19 min
